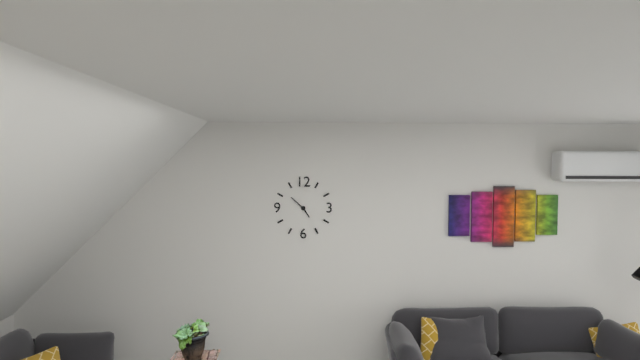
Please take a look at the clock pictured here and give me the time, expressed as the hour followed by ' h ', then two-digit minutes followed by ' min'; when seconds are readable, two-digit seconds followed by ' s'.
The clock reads 4 h 52 min
